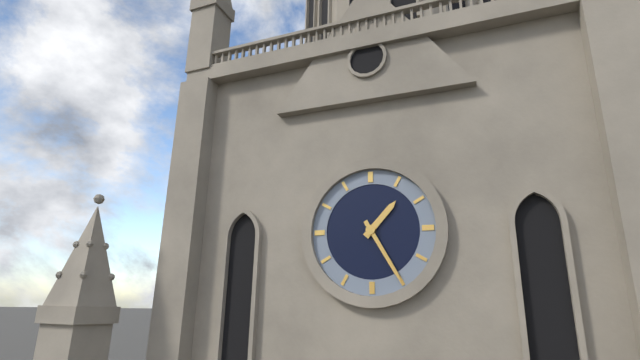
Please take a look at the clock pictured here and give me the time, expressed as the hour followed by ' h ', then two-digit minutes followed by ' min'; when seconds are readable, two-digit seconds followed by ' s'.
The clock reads 1 h 25 min
